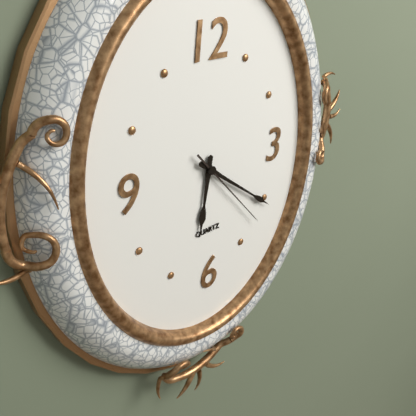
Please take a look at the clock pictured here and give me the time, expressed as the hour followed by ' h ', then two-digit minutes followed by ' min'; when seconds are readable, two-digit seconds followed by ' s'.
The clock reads 6 h 21 min 23 s
